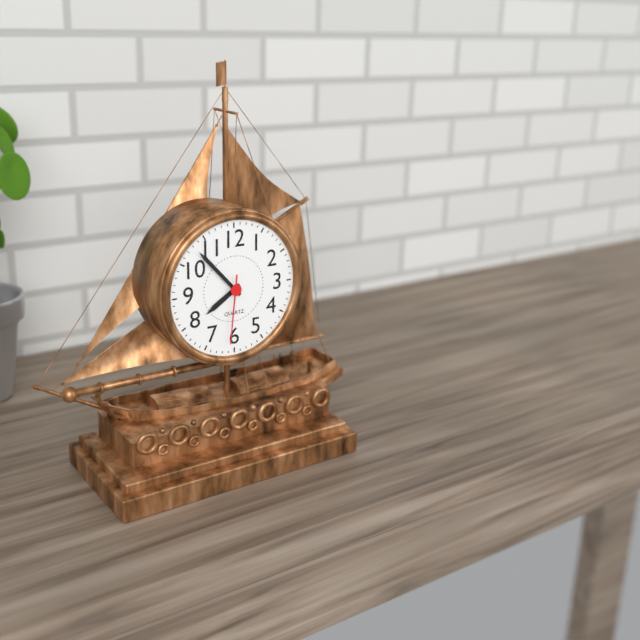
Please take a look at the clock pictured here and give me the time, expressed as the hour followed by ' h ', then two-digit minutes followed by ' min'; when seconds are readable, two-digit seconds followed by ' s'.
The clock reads 7 h 53 min 31 s
